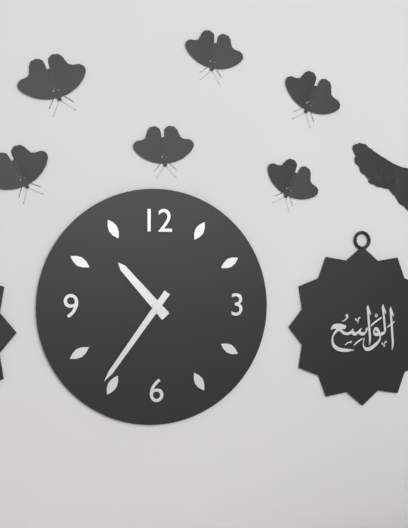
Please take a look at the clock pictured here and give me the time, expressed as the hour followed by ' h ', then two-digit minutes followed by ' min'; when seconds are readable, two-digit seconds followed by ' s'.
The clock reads 10 h 36 min
